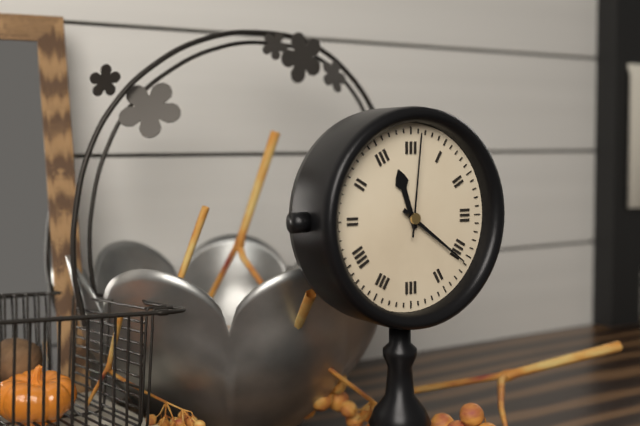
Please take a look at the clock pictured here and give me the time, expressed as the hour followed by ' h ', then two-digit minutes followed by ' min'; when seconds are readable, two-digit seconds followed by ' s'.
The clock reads 11 h 21 min 01 s
